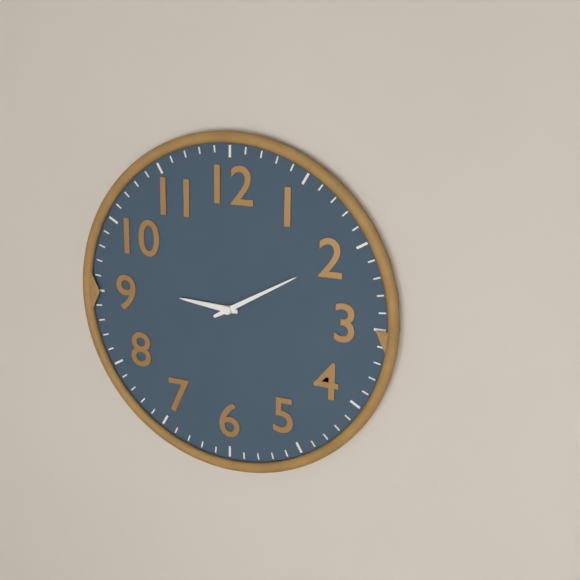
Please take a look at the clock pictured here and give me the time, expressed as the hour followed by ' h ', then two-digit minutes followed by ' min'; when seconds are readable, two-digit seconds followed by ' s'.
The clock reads 9 h 10 min
